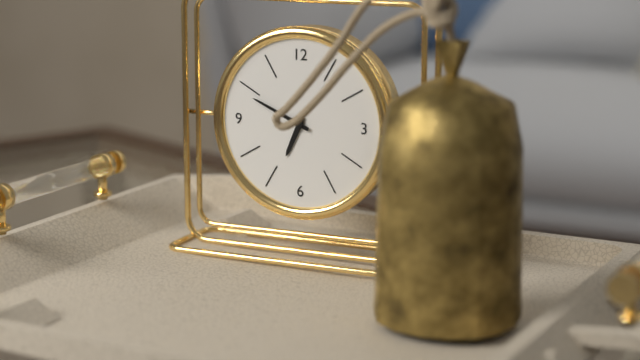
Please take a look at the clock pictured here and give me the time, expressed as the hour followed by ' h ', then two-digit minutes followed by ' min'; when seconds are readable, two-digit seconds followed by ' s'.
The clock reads 6 h 49 min
